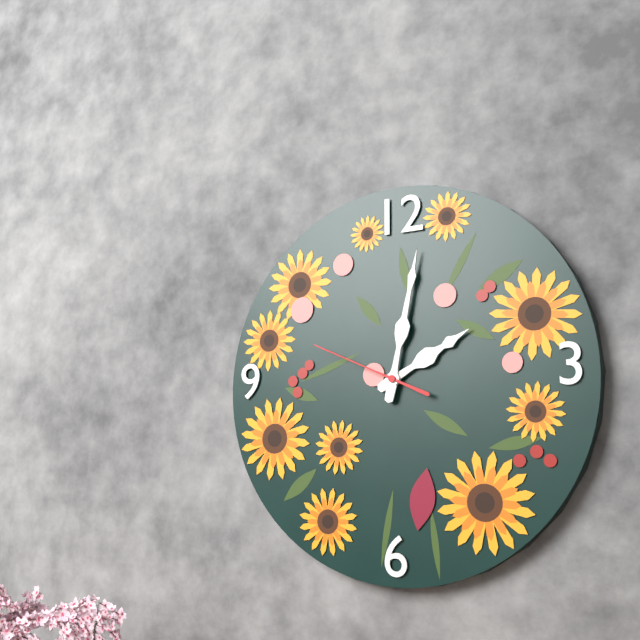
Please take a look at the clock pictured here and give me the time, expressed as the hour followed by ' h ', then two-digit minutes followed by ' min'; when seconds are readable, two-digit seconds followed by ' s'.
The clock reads 2 h 02 min 49 s
